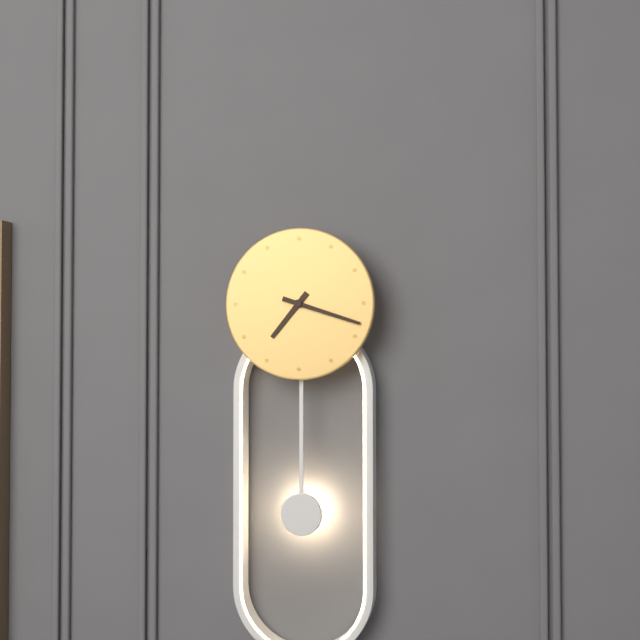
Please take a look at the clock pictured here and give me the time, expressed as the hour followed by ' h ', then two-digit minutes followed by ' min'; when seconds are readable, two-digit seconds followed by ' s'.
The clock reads 7 h 18 min
